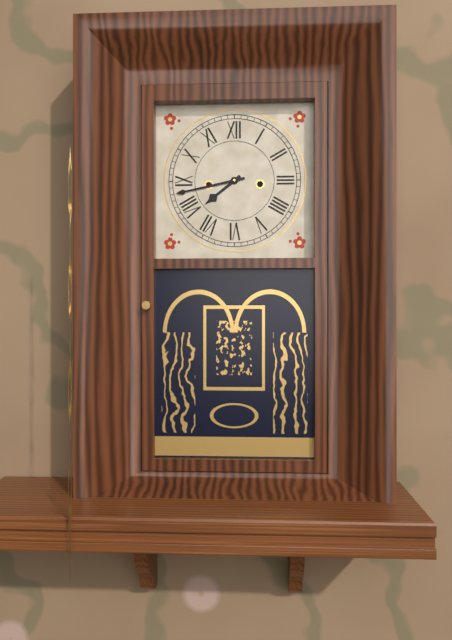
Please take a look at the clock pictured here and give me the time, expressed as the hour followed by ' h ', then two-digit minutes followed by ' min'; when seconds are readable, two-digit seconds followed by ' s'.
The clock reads 7 h 43 min
